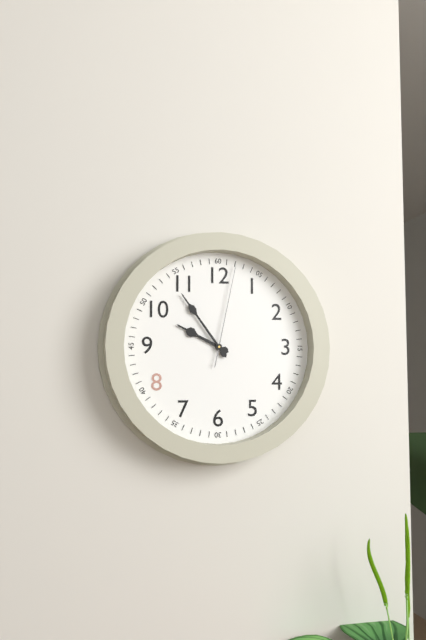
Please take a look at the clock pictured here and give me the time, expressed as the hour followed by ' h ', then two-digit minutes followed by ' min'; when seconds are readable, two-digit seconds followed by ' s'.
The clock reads 9 h 54 min 02 s
